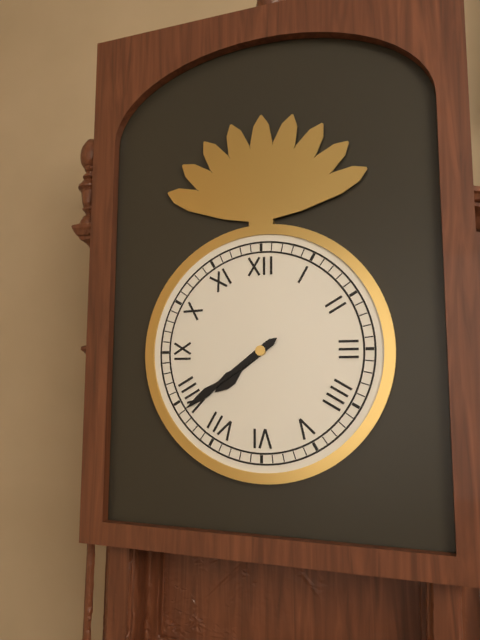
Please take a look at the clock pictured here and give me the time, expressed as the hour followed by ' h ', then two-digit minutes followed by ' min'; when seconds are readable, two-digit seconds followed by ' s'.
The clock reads 7 h 39 min
